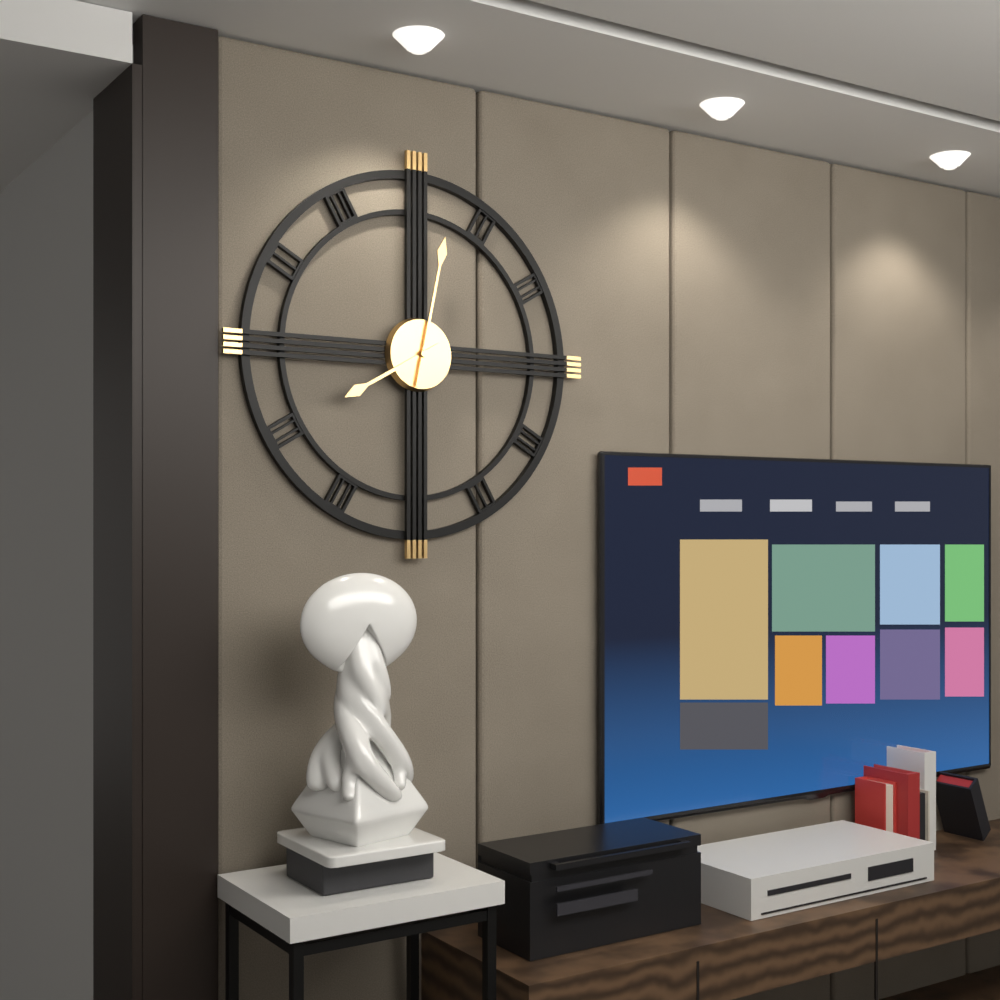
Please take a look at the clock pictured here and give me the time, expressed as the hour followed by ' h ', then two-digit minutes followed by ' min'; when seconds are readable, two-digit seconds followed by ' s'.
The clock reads 8 h 02 min
